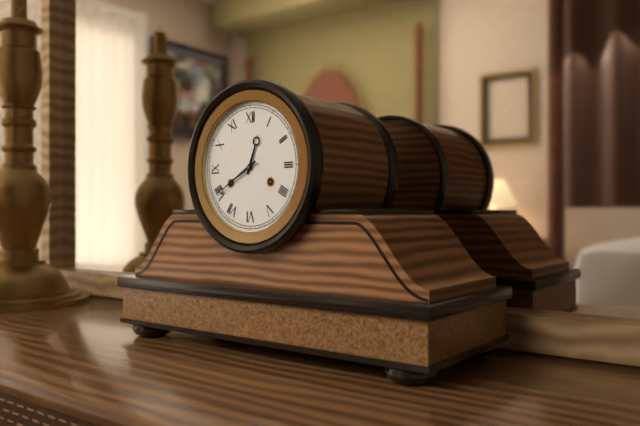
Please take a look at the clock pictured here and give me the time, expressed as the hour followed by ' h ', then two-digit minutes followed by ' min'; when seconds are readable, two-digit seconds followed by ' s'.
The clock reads 12 h 40 min
